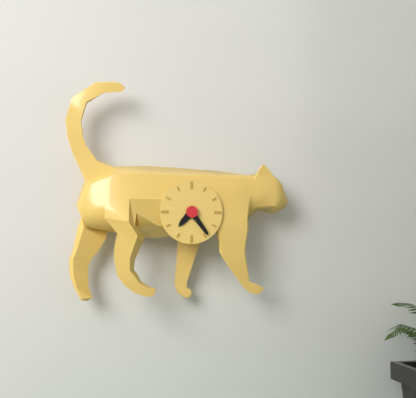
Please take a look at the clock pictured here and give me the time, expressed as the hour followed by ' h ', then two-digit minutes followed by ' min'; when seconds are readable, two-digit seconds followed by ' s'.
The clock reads 7 h 24 min
